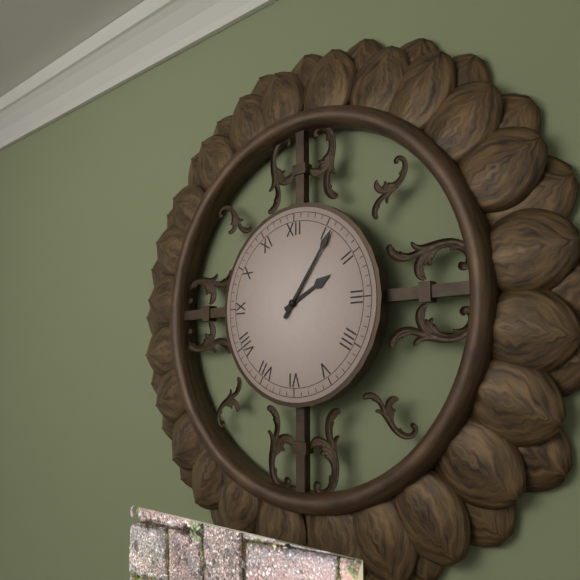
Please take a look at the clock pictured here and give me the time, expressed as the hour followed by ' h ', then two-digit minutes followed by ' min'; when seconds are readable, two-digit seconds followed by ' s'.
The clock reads 2 h 06 min
